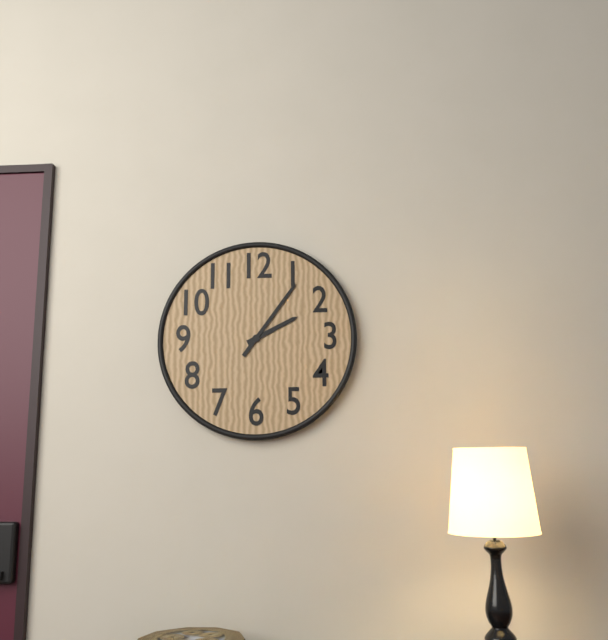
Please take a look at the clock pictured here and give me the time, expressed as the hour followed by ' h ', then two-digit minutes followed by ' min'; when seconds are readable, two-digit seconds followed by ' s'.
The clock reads 2 h 06 min
